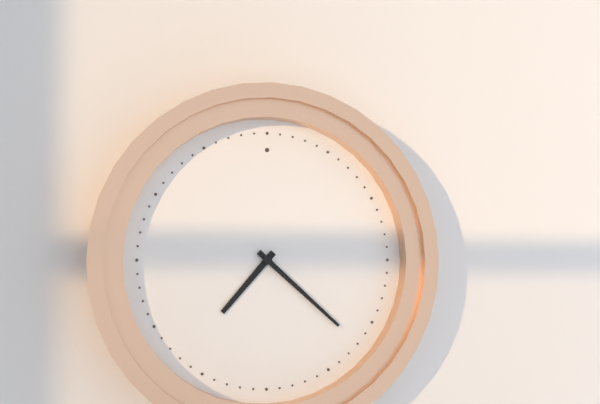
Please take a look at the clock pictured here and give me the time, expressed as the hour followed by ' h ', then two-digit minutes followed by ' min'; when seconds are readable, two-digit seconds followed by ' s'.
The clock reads 7 h 22 min
